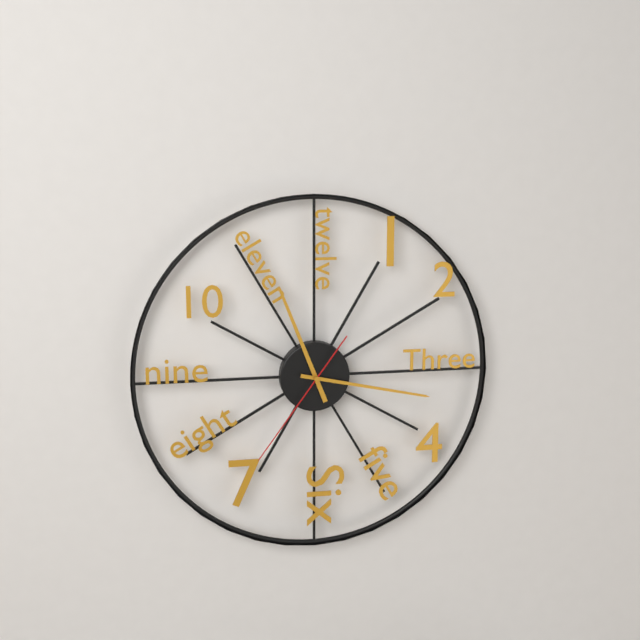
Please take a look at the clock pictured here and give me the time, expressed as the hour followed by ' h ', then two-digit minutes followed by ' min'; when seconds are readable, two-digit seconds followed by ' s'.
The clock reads 11 h 17 min 36 s
